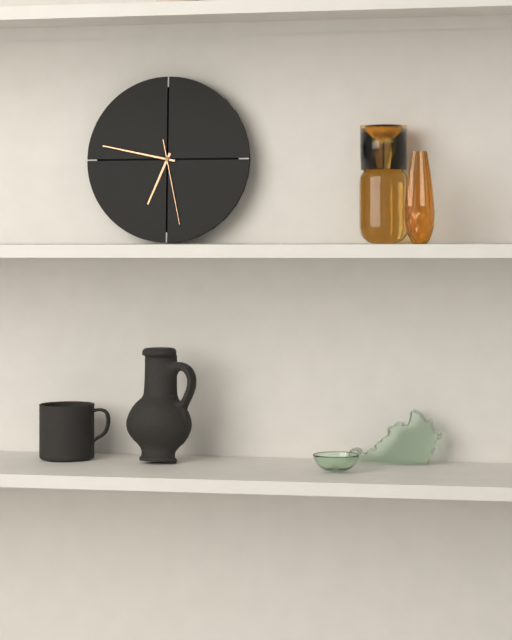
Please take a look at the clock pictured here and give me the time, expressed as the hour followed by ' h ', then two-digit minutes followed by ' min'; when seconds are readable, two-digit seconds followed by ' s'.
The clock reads 6 h 47 min 28 s
